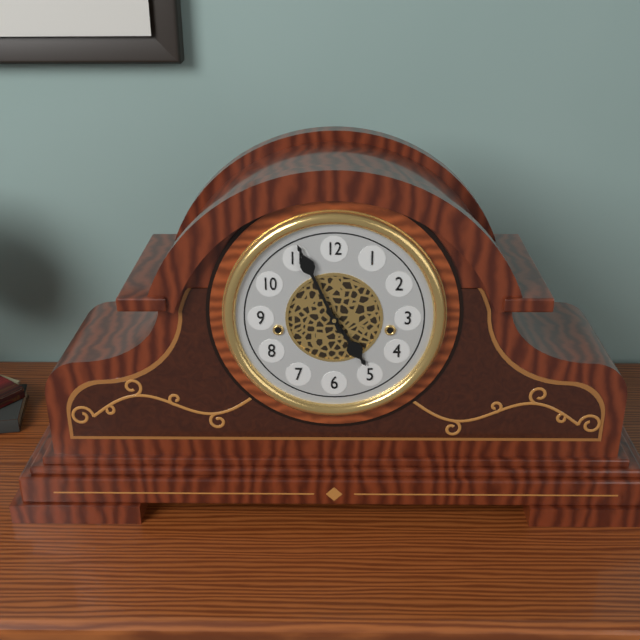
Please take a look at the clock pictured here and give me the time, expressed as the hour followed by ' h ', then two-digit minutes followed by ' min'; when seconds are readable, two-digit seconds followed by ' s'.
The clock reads 4 h 56 min
